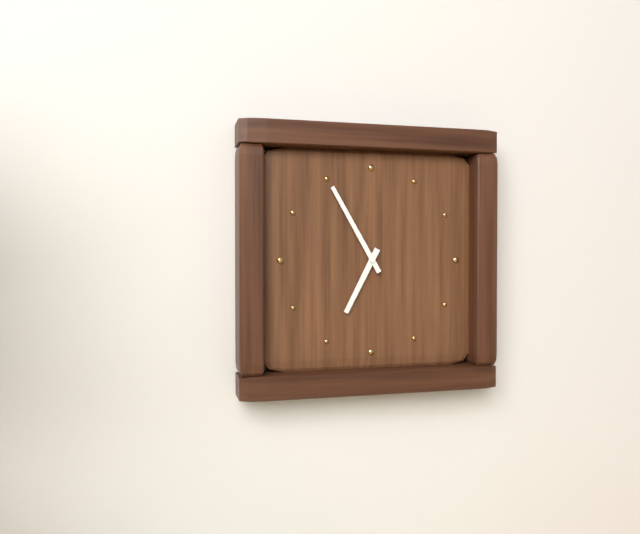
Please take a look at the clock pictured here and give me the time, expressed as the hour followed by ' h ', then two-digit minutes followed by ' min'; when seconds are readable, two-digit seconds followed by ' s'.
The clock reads 6 h 55 min
